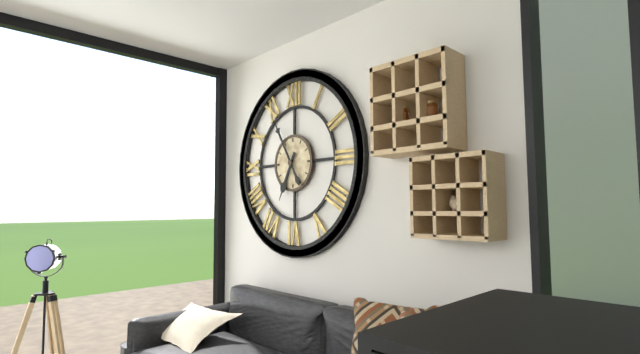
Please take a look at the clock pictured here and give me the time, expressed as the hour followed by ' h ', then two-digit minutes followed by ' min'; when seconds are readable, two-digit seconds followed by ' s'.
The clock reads 6 h 55 min
